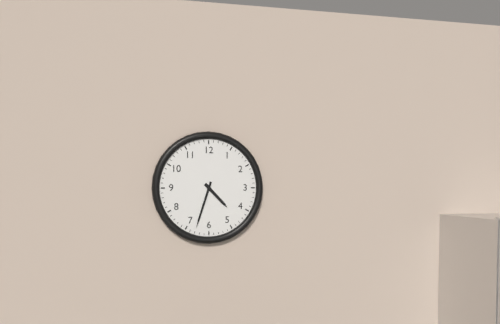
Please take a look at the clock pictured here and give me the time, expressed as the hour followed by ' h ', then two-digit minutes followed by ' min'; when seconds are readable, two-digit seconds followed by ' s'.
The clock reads 4 h 33 min
